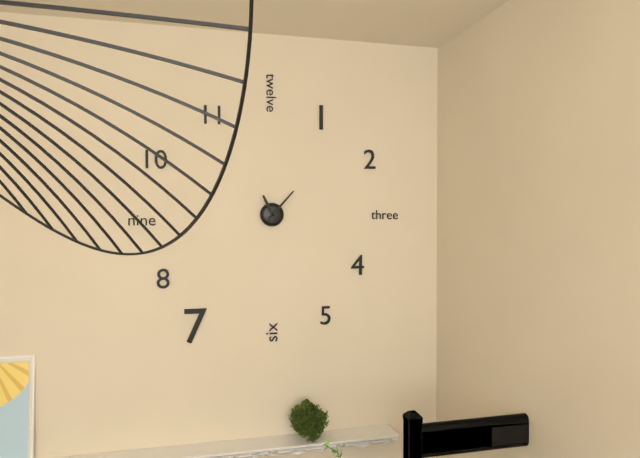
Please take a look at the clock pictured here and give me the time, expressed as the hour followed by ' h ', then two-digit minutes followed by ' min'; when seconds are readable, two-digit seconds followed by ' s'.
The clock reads 11 h 07 min
